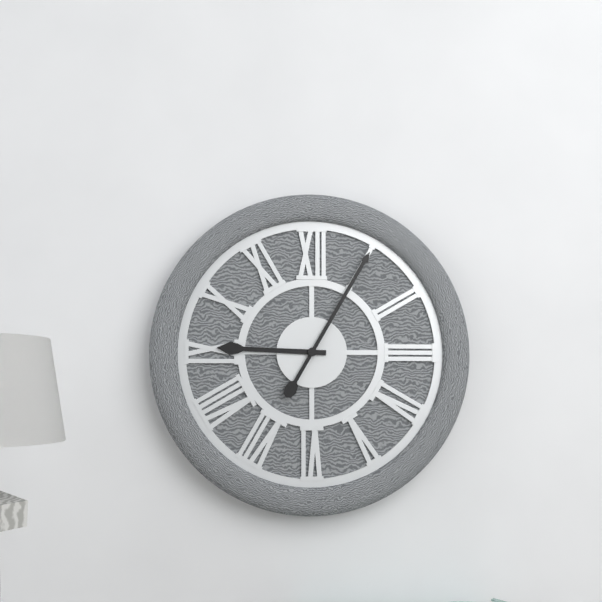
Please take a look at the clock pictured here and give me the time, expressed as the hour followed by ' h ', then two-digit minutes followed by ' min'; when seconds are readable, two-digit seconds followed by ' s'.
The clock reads 9 h 05 min
